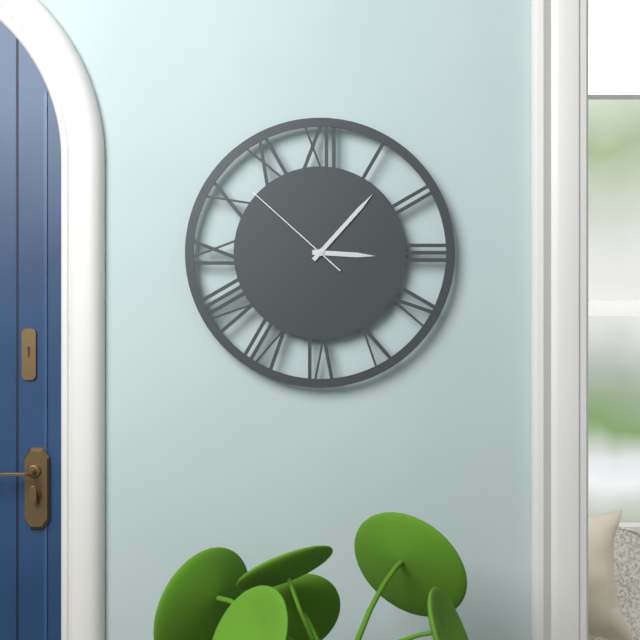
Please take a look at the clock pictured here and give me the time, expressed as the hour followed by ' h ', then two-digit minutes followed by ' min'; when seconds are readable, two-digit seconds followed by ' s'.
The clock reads 3 h 07 min 52 s
